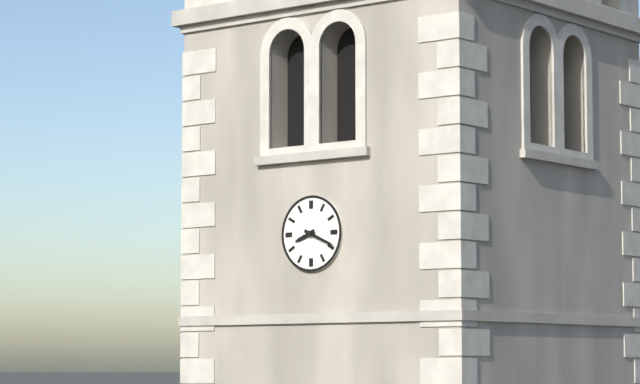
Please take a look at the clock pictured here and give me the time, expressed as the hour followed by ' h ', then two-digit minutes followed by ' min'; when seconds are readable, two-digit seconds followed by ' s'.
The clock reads 8 h 19 min
